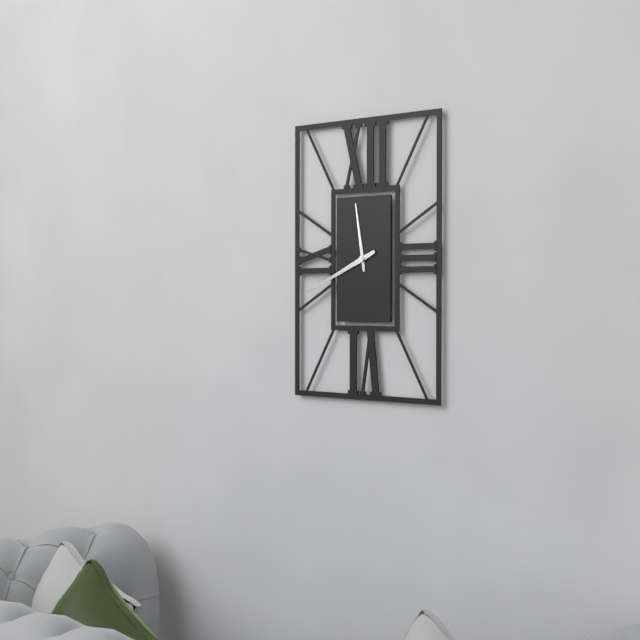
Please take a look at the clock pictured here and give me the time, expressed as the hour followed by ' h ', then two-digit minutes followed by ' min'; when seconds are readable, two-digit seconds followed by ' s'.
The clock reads 11 h 41 min
